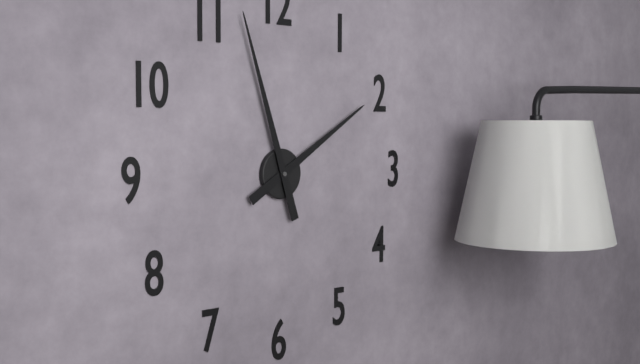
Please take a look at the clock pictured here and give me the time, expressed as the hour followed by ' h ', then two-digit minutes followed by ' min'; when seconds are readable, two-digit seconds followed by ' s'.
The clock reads 1 h 57 min
